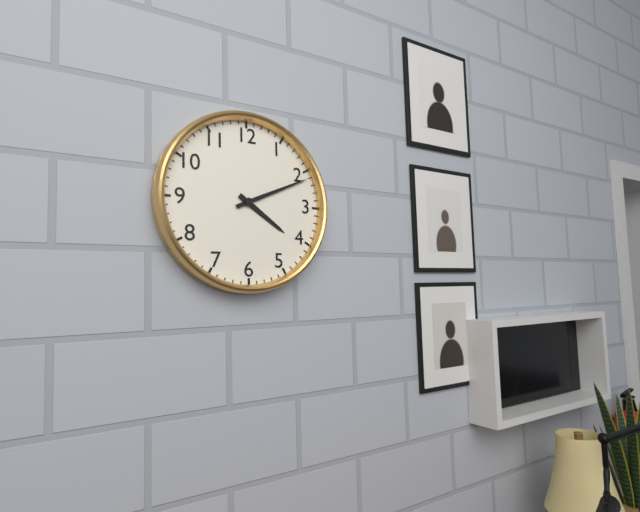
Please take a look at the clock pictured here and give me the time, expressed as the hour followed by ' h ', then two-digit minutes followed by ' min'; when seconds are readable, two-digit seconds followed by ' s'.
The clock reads 4 h 11 min
